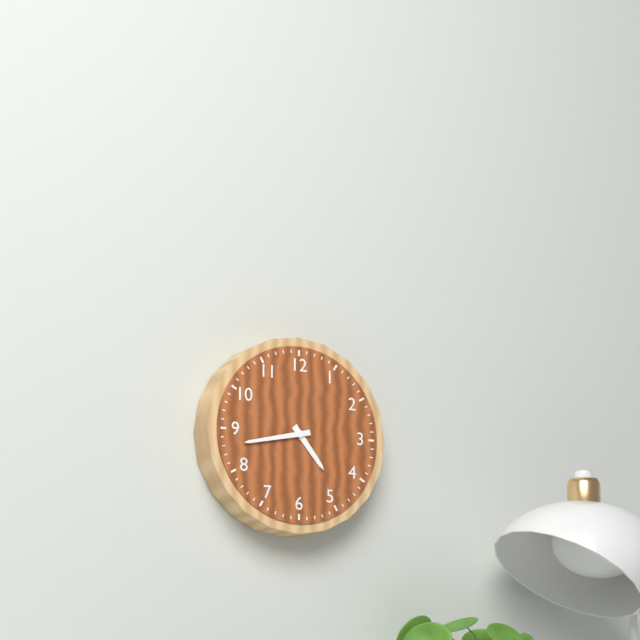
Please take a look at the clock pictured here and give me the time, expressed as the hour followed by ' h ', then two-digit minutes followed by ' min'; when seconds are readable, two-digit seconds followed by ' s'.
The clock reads 4 h 43 min
